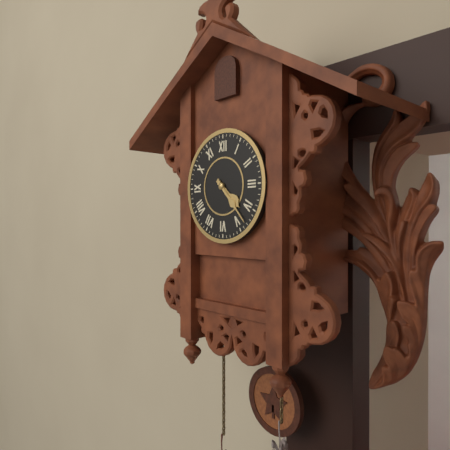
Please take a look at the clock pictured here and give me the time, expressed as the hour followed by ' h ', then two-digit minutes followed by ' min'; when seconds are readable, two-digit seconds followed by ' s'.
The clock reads 4 h 23 min
